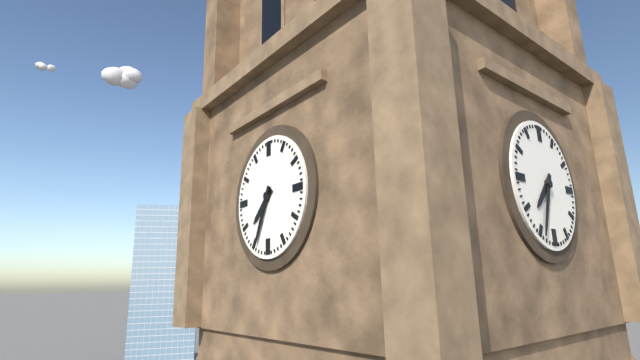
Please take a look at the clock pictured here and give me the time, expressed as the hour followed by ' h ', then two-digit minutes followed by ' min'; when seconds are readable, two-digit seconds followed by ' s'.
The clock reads 7 h 34 min
